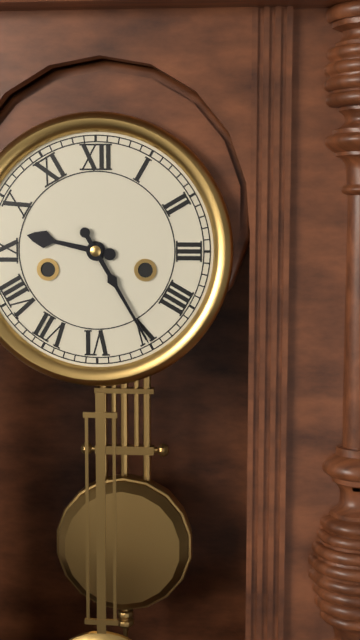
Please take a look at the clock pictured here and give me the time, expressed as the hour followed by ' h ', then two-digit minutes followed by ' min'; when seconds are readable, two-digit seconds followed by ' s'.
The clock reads 9 h 25 min
